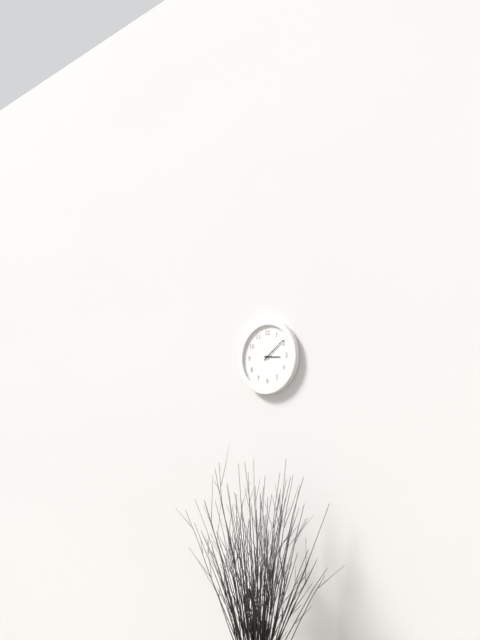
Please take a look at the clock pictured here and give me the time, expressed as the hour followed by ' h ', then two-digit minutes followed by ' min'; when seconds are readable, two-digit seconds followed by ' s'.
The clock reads 3 h 09 min
